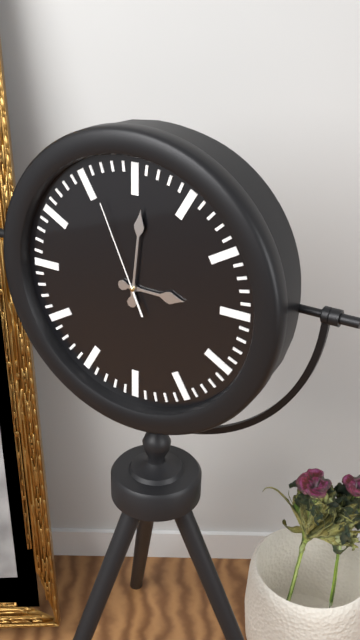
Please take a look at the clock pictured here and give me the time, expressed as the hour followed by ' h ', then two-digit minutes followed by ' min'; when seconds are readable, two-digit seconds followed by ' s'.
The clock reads 3 h 01 min 56 s
